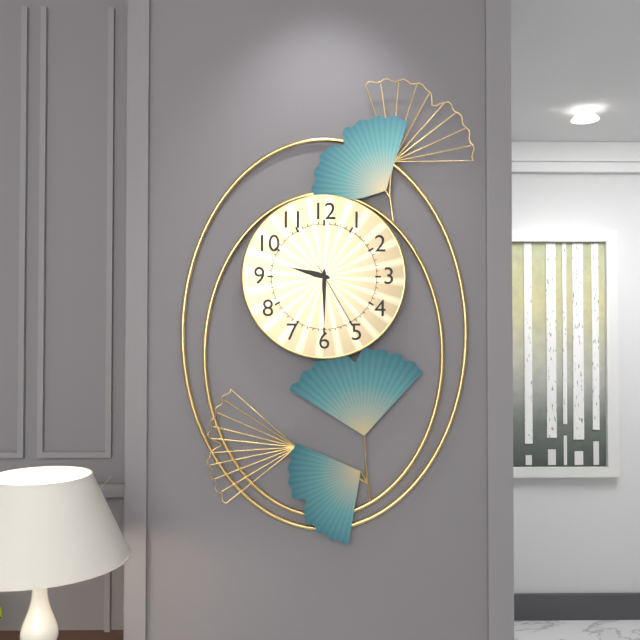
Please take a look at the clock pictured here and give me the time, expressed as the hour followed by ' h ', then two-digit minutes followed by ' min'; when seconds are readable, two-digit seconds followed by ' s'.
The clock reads 9 h 30 min 25 s
